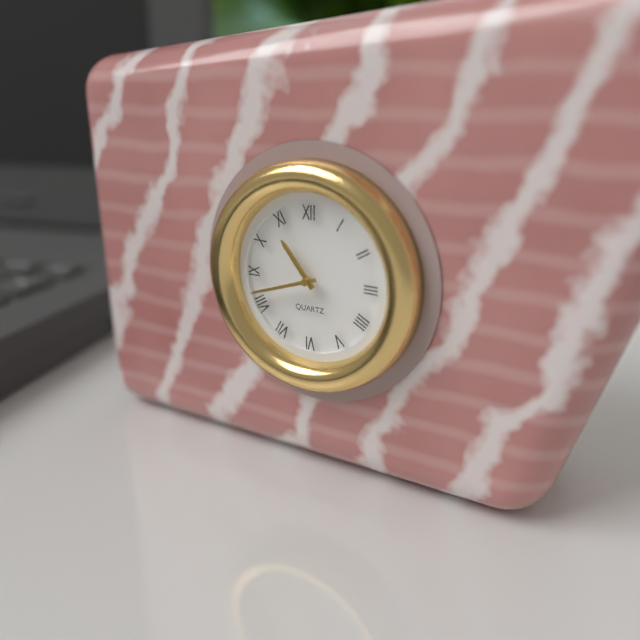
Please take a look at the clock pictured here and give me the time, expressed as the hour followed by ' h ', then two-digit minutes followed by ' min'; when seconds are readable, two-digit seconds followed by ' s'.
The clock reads 10 h 42 min
